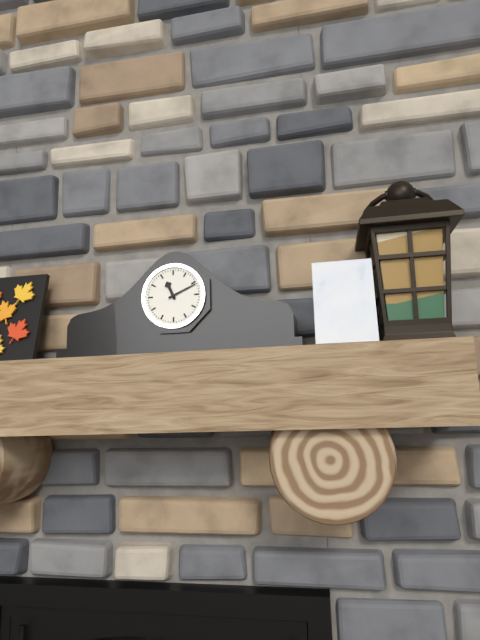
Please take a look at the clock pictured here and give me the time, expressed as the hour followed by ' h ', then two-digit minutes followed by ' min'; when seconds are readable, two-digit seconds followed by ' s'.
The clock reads 11 h 11 min
